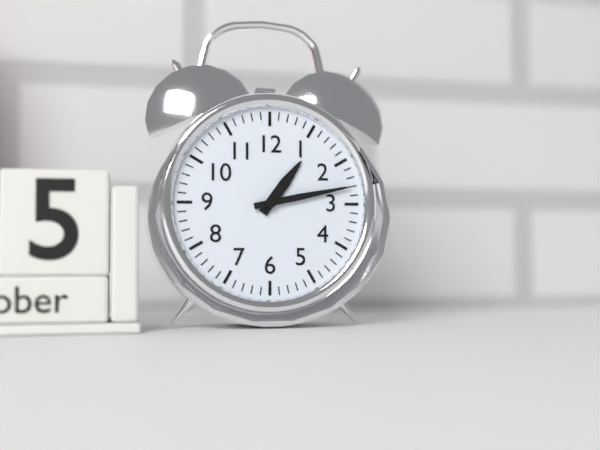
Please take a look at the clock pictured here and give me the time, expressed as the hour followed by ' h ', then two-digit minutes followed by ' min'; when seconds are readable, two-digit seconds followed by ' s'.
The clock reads 1 h 13 min
